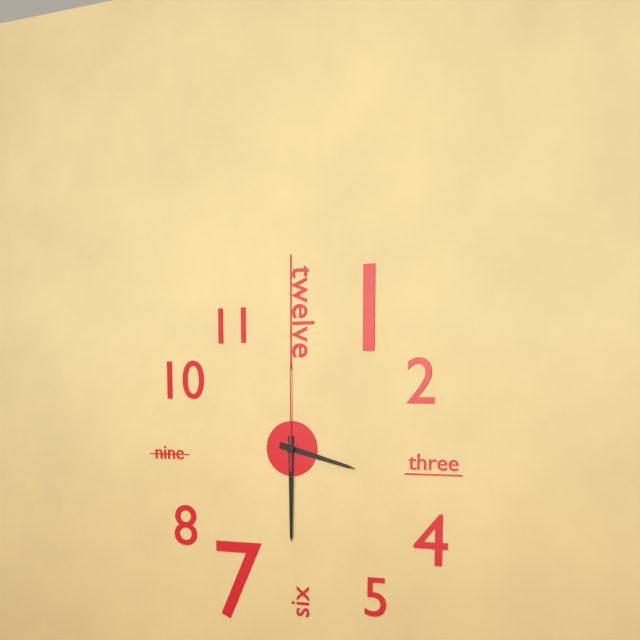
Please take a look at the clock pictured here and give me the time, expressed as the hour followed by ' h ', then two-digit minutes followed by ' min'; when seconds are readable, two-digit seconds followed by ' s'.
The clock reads 3 h 30 min 00 s
